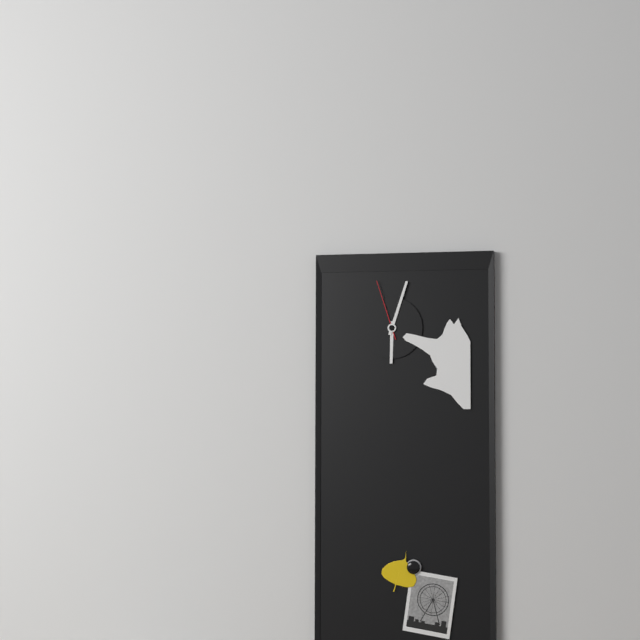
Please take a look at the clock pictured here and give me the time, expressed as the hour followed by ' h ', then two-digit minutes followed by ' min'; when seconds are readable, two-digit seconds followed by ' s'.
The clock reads 6 h 03 min 57 s
